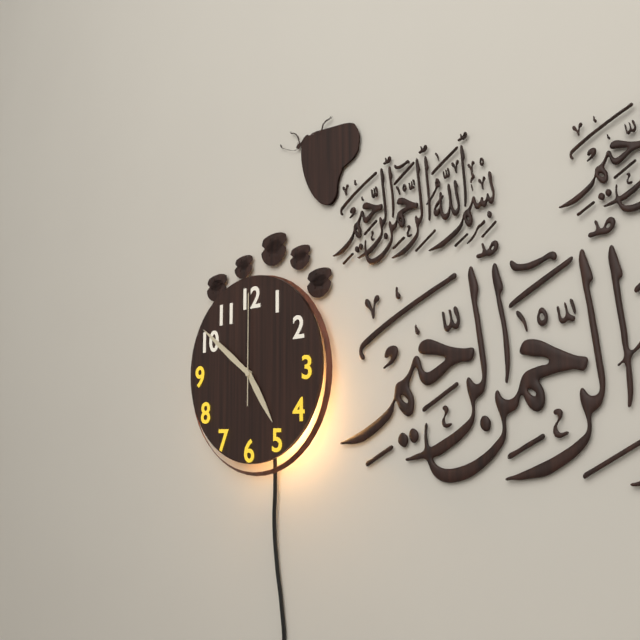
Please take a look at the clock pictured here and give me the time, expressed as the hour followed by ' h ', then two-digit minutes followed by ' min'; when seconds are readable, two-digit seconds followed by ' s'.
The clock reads 4 h 51 min 00 s
